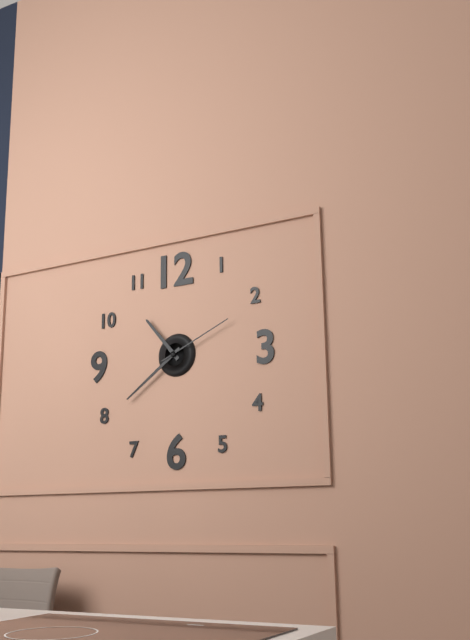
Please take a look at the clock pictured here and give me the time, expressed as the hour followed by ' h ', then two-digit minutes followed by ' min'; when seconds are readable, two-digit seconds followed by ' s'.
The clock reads 10 h 39 min 11 s
